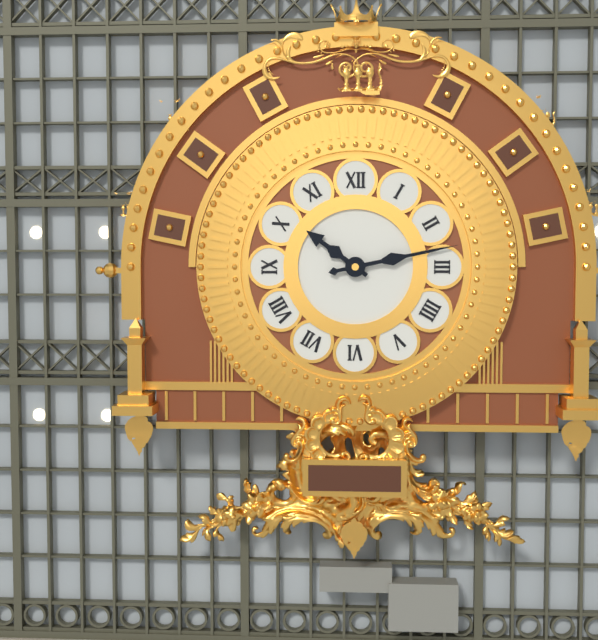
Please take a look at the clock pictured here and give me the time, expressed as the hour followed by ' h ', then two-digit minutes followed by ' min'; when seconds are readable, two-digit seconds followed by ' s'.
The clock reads 10 h 13 min
